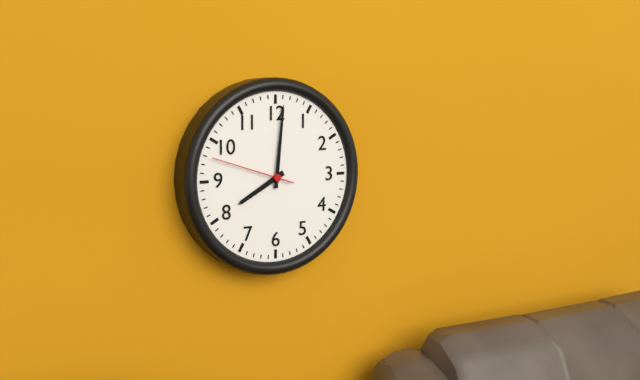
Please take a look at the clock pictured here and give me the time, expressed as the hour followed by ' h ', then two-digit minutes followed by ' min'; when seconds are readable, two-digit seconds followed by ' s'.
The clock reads 8 h 01 min 48 s
